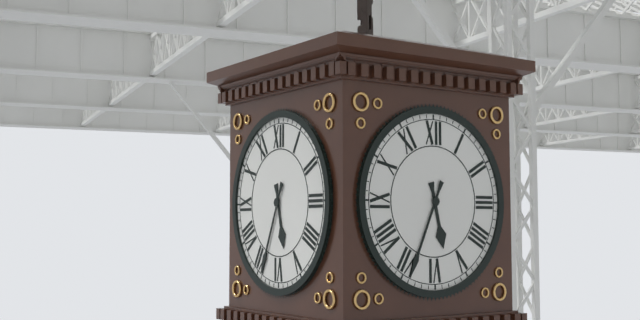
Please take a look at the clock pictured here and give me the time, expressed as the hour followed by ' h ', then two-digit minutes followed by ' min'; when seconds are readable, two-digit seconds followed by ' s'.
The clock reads 5 h 34 min
